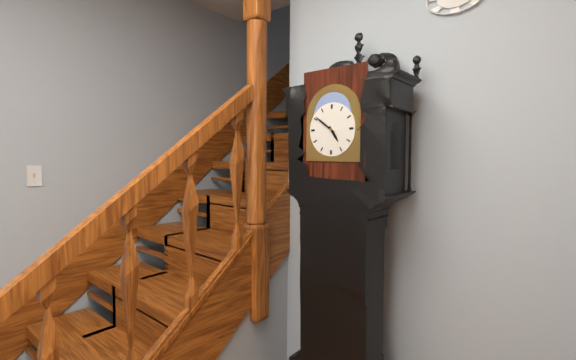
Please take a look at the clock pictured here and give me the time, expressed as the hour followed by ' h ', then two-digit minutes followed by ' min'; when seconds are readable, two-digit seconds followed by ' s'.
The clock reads 4 h 51 min
